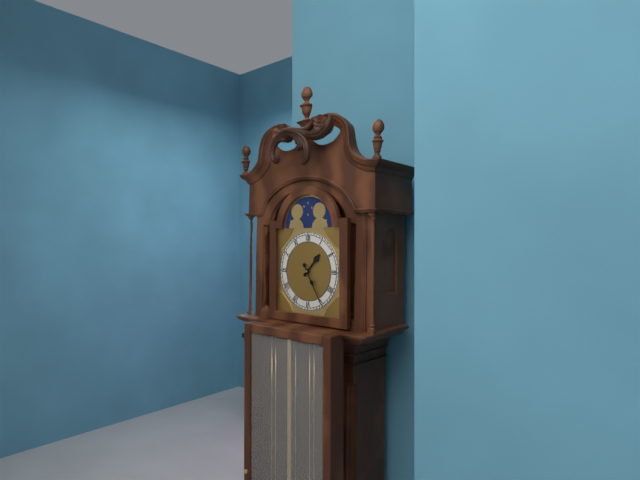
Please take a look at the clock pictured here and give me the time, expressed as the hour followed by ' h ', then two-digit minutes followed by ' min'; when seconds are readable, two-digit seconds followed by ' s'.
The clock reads 1 h 25 min
